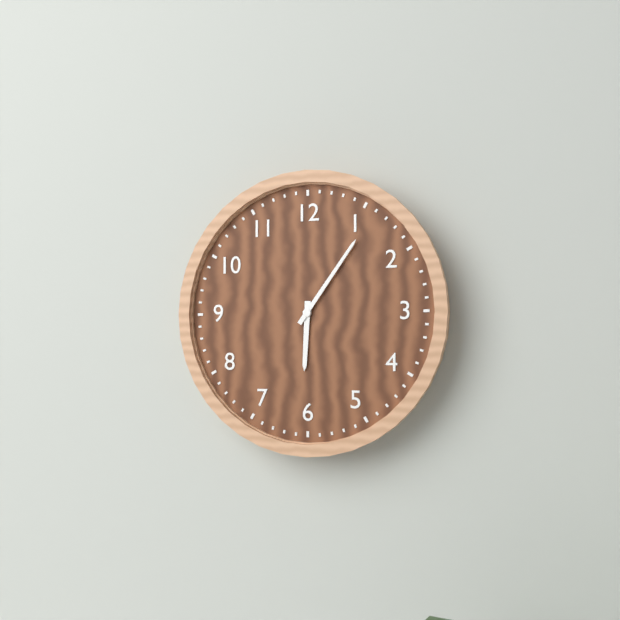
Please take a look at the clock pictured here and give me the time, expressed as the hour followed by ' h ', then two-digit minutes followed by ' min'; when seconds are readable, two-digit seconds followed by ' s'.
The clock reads 6 h 06 min
